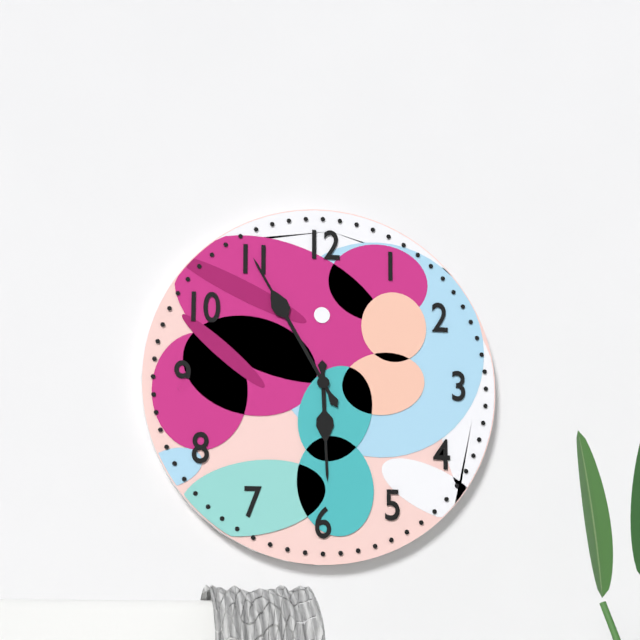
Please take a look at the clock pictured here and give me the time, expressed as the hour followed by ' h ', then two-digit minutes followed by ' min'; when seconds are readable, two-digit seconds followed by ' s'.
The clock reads 5 h 55 min
